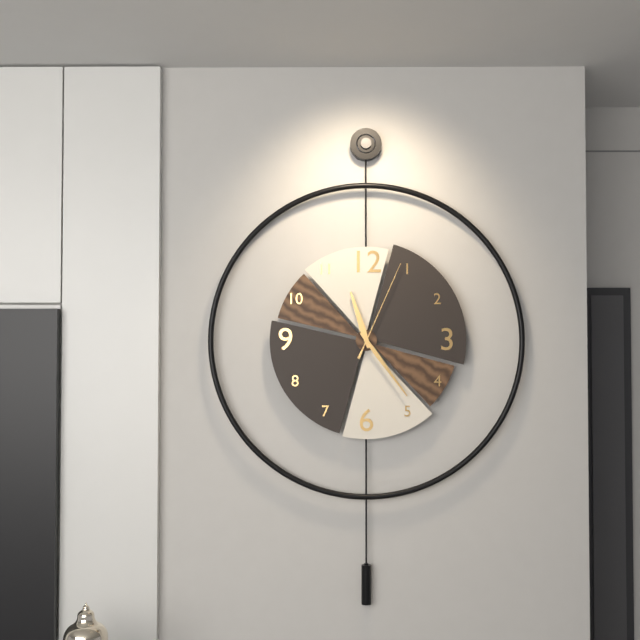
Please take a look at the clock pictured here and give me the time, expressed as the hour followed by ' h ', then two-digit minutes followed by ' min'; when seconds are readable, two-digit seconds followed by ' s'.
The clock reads 11 h 24 min 04 s
